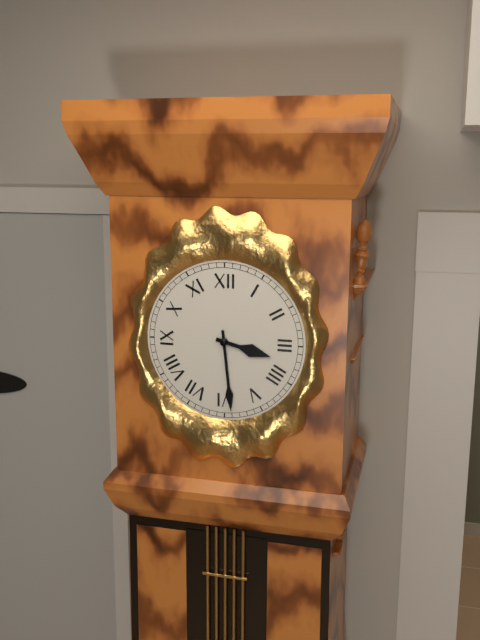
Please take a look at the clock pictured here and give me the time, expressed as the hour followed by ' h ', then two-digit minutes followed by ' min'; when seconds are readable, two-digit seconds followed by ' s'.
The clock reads 3 h 29 min
